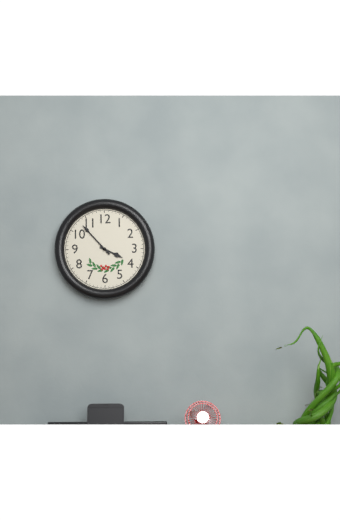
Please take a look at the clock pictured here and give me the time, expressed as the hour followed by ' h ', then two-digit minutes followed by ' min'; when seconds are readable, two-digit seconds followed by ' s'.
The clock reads 3 h 53 min
